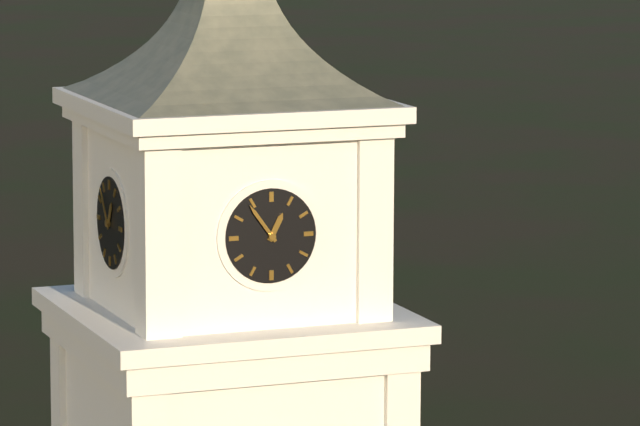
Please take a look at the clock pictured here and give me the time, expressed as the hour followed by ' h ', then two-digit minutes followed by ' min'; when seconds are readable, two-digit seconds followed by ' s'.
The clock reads 12 h 54 min
